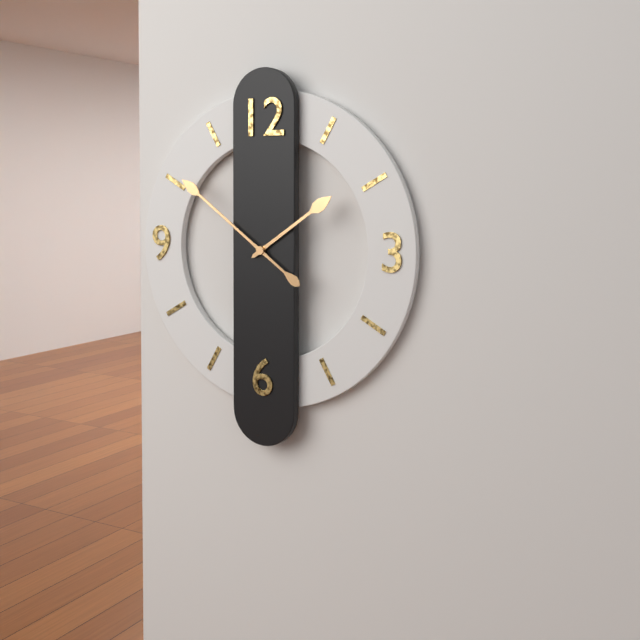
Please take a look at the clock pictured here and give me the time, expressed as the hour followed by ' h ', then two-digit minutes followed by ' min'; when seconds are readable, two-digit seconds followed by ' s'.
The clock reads 1 h 51 min
